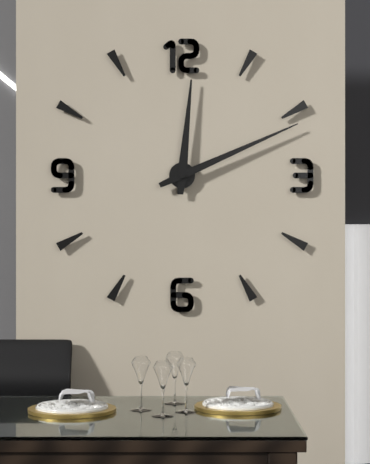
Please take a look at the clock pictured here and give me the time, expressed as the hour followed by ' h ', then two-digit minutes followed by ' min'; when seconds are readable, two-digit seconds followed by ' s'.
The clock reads 12 h 11 min
